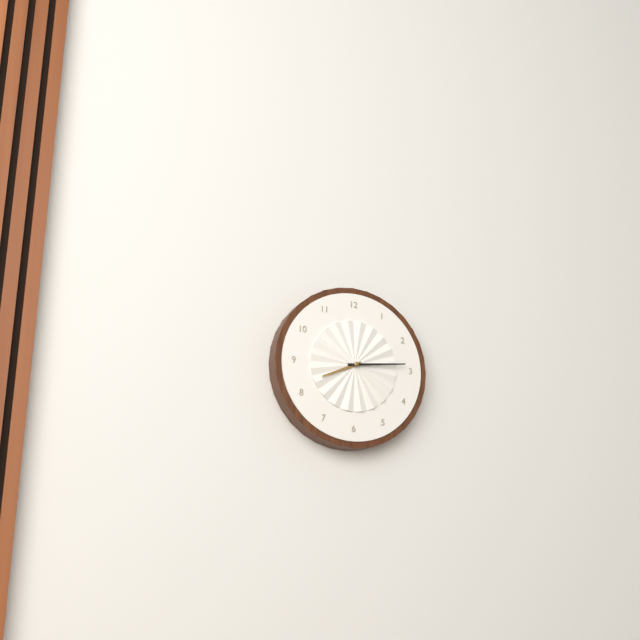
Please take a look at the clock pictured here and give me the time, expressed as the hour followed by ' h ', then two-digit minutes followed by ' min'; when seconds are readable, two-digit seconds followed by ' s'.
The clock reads 8 h 14 min
